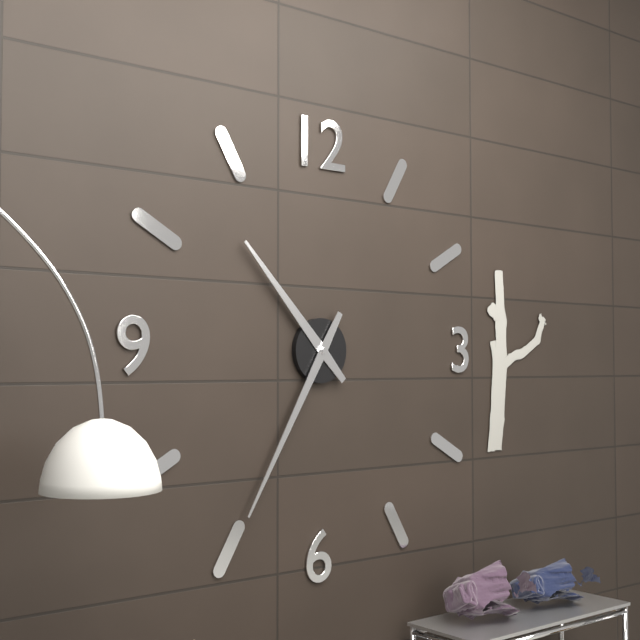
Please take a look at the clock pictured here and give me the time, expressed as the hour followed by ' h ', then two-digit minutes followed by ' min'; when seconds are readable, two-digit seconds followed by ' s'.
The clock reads 10 h 35 min
